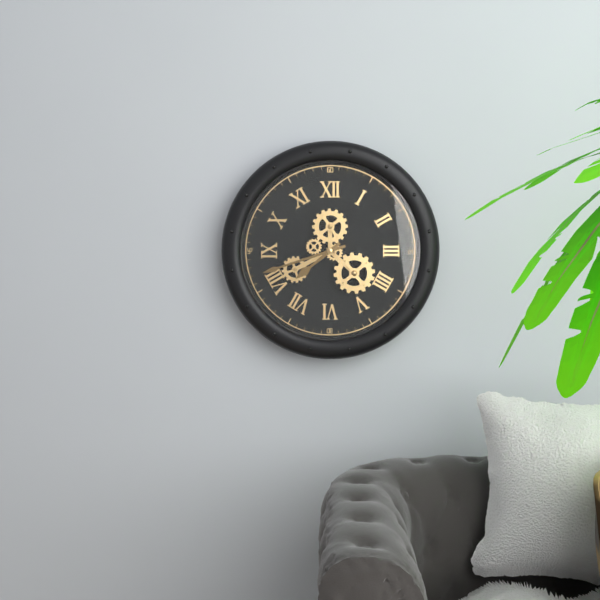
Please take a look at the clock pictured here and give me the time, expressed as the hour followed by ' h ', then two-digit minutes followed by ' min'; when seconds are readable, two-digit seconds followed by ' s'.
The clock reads 7 h 42 min
